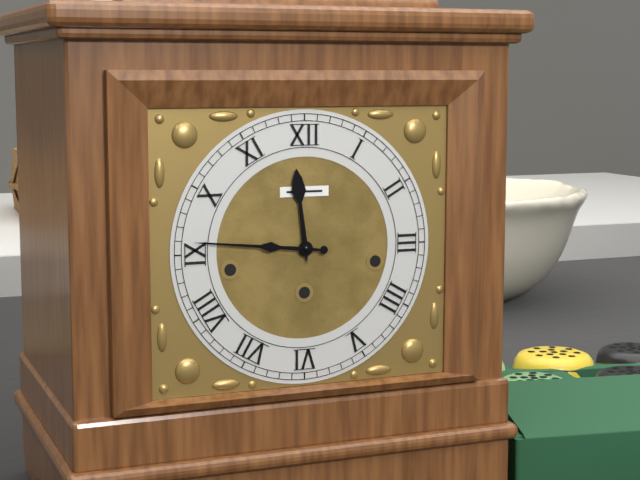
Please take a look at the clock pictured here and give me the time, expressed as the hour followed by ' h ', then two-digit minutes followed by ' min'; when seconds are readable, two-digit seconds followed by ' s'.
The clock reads 11 h 46 min
